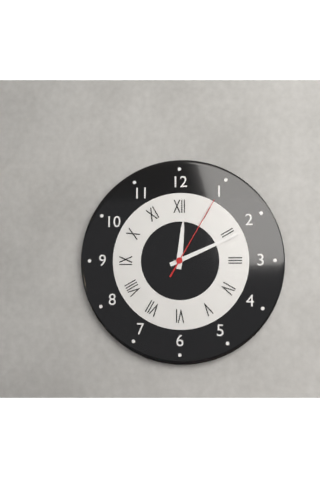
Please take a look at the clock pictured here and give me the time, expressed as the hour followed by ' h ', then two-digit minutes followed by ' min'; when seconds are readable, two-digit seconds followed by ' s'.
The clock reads 12 h 11 min 05 s
